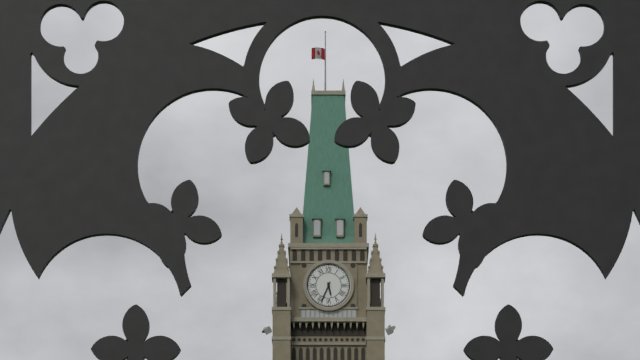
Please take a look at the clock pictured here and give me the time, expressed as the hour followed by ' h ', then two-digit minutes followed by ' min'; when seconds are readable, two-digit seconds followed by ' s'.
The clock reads 5 h 34 min
